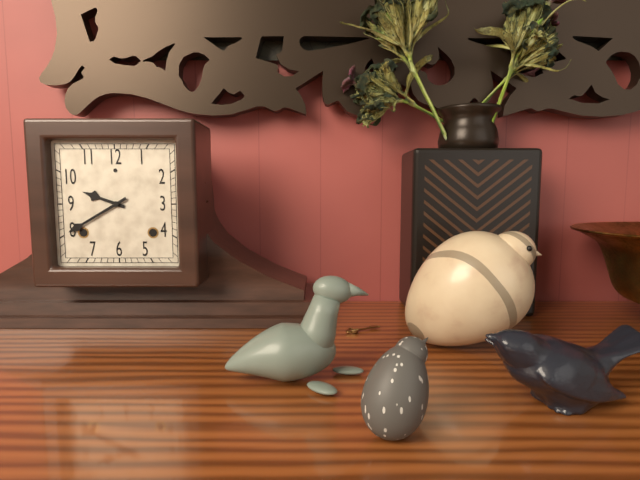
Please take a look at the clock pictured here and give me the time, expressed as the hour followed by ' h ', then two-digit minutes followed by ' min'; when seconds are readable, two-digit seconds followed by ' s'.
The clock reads 9 h 40 min
